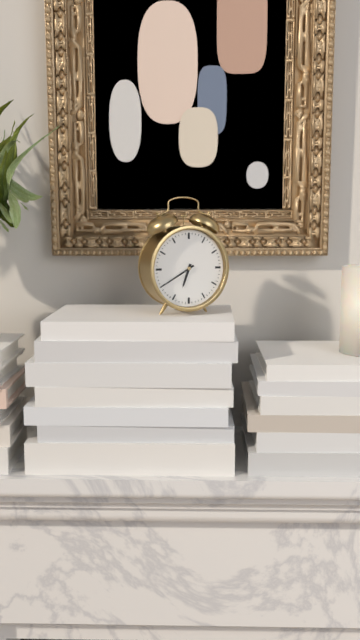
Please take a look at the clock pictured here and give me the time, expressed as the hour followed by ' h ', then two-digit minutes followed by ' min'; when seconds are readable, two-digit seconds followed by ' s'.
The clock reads 6 h 40 min
